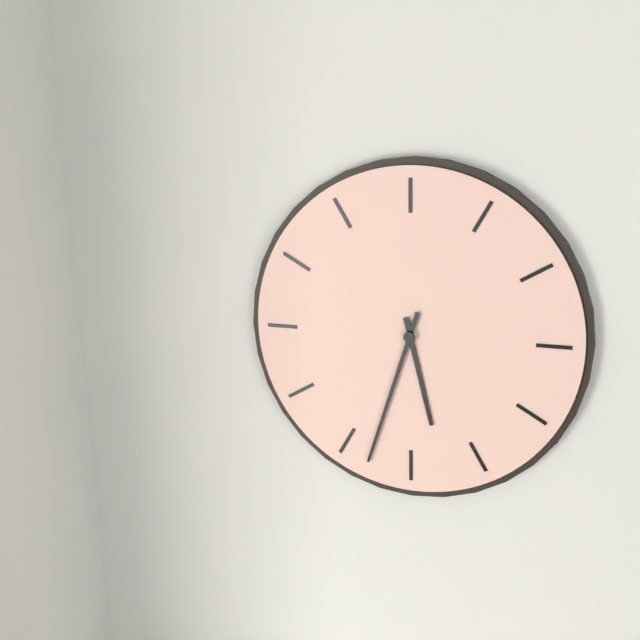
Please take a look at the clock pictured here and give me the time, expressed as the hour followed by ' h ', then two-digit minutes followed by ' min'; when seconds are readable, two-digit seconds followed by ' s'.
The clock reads 5 h 33 min
